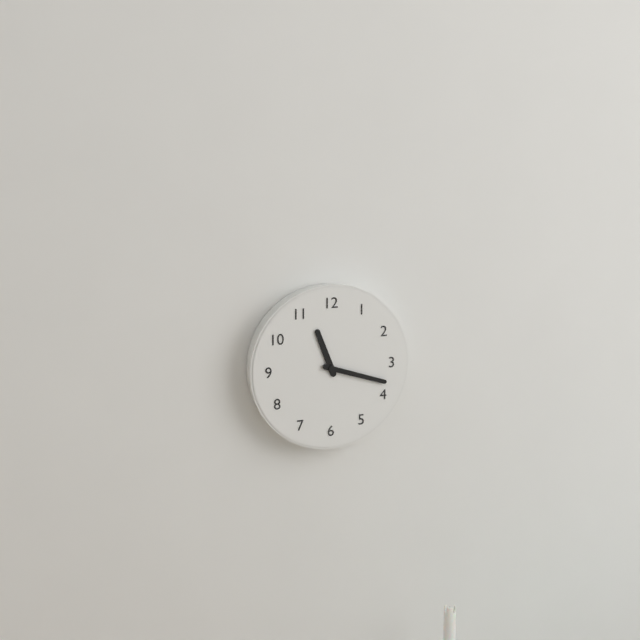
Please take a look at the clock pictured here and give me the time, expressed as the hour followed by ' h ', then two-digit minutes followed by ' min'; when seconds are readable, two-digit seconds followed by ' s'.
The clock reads 11 h 18 min
